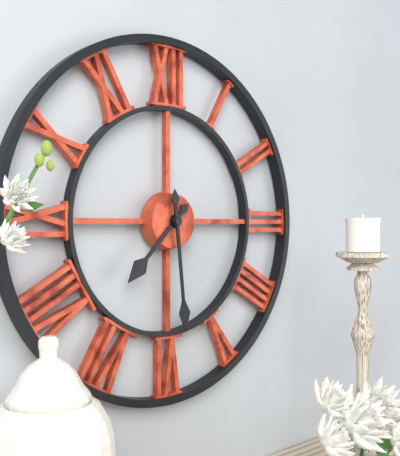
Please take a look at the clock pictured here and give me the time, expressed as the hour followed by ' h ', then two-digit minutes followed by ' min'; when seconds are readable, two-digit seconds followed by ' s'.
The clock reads 7 h 29 min
